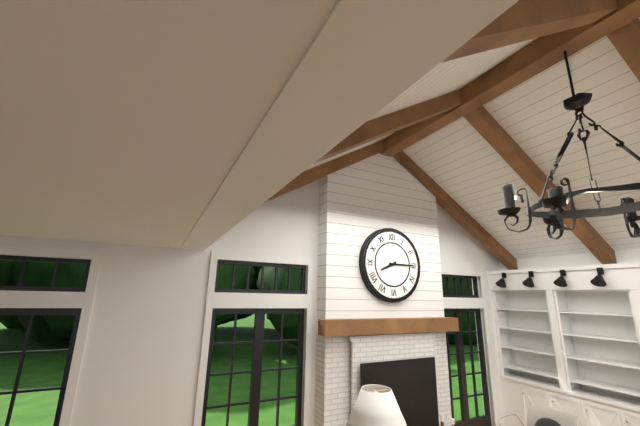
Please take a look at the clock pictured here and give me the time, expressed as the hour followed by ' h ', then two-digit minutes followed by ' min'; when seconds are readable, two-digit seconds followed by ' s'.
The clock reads 8 h 15 min
